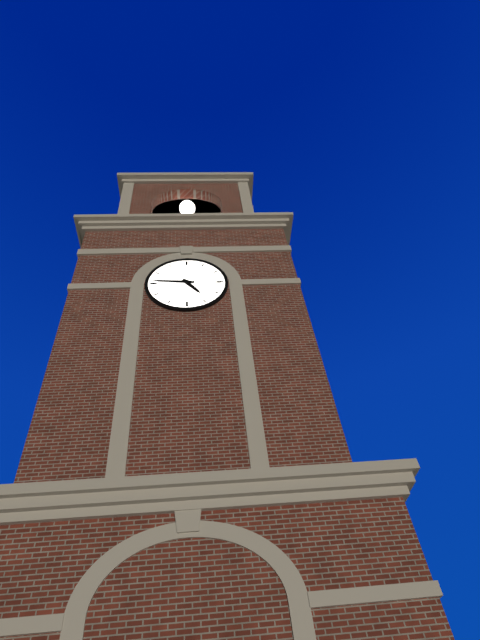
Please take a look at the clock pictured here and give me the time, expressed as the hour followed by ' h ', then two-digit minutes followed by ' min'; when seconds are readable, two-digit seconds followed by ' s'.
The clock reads 4 h 46 min
